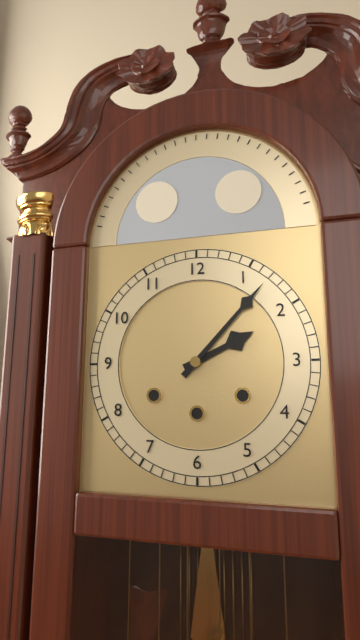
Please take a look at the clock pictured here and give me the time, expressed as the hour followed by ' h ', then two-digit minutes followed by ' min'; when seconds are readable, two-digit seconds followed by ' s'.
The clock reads 2 h 07 min
